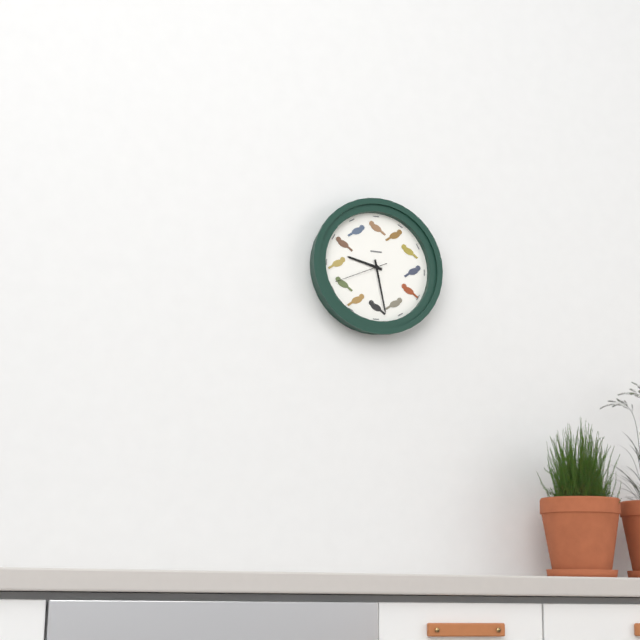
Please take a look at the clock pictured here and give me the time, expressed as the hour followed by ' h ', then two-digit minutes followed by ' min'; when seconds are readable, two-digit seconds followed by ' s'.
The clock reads 9 h 28 min 41 s
